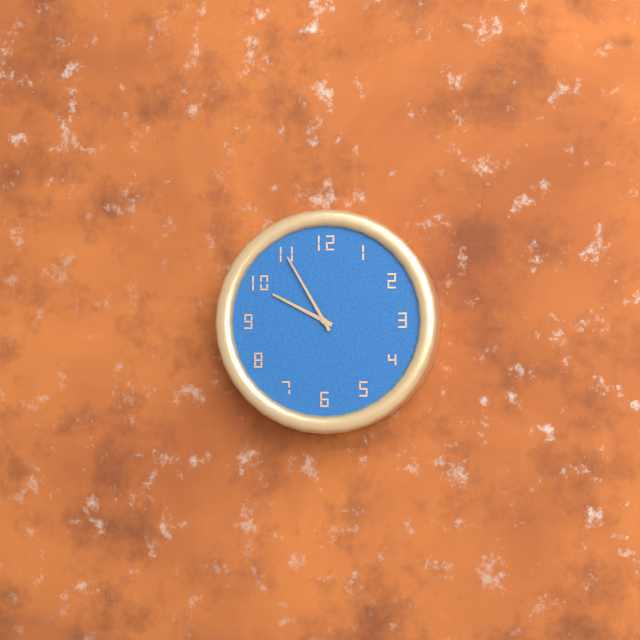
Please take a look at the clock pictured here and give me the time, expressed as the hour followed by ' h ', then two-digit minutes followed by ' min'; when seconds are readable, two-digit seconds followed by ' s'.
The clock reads 9 h 55 min
